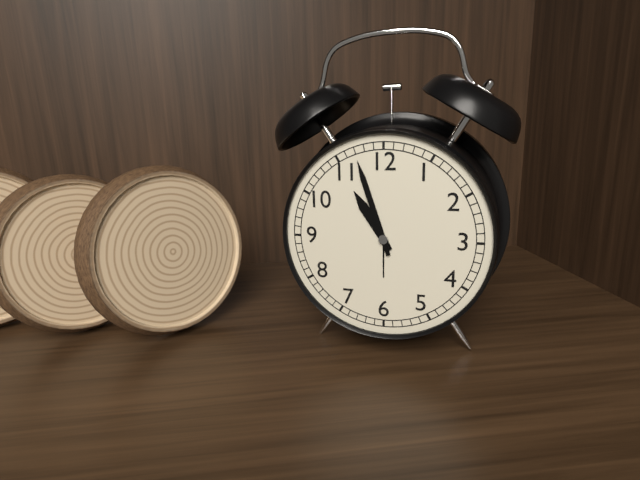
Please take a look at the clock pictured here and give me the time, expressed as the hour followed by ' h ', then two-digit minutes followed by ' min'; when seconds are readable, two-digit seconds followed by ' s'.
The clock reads 10 h 57 min
